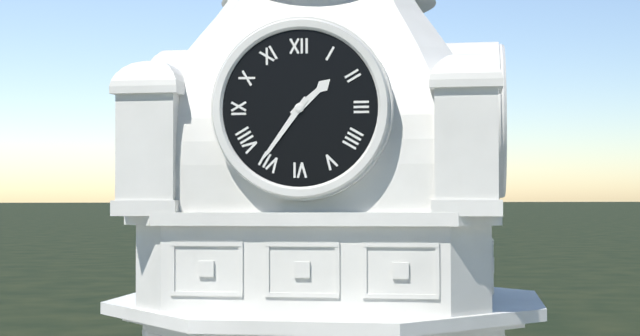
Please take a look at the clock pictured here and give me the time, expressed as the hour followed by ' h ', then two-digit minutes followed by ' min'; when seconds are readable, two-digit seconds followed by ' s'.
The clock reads 1 h 36 min
